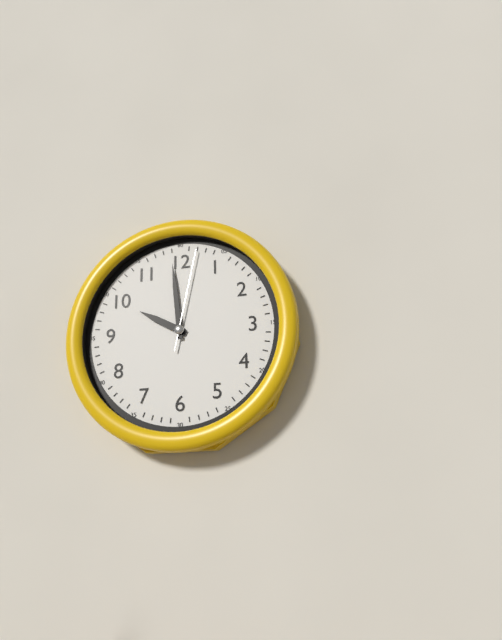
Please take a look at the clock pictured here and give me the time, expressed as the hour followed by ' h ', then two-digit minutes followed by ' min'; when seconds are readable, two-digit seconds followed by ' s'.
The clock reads 9 h 59 min 02 s
